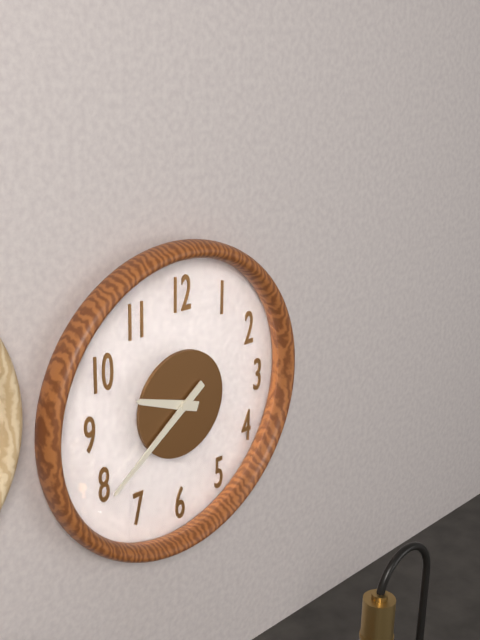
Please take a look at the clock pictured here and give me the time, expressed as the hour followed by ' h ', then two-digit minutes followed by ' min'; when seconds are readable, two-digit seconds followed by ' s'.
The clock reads 9 h 39 min
